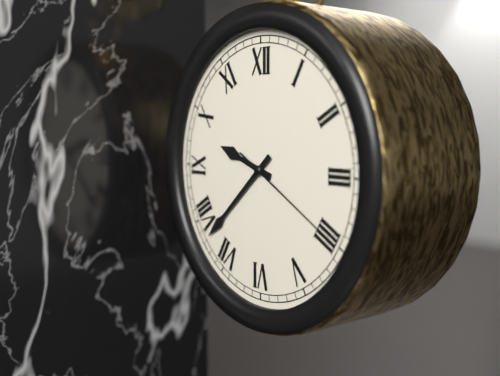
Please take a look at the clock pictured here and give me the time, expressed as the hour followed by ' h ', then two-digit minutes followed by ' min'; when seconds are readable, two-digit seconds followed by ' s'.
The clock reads 9 h 38 min 20 s
